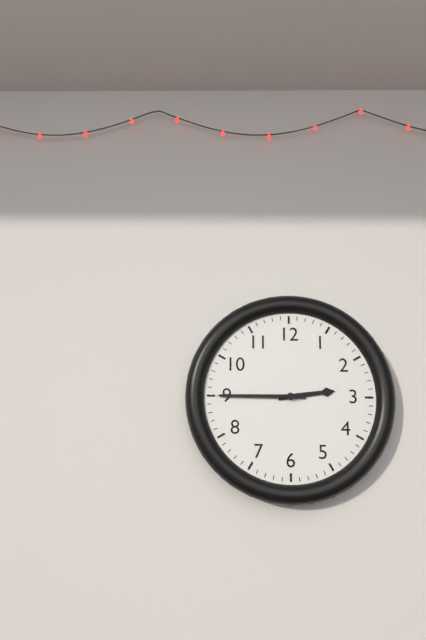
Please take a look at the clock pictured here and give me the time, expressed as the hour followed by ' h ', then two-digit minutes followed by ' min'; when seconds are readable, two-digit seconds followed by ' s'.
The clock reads 2 h 45 min
